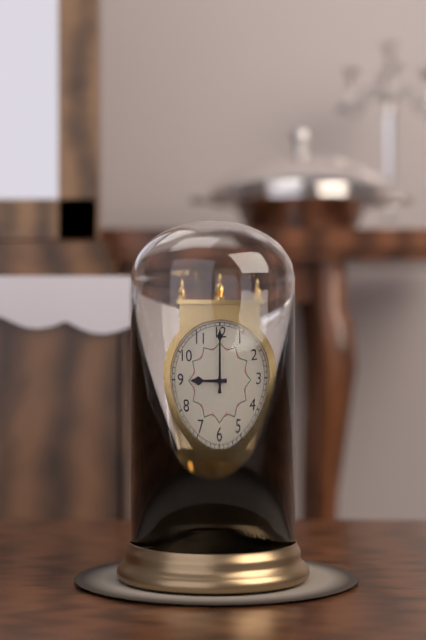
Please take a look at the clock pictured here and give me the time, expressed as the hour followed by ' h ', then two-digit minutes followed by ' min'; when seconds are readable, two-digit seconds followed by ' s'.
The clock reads 9 h 00 min
